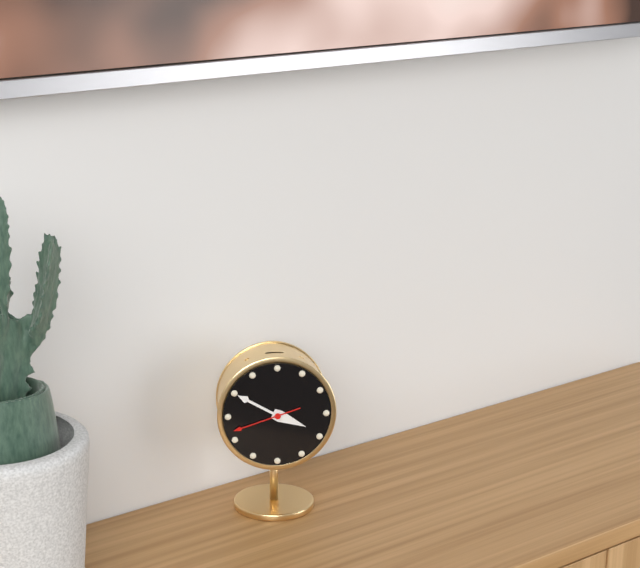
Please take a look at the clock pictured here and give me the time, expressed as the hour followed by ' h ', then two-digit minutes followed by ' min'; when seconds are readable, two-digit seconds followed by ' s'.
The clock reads 3 h 50 min 42 s
